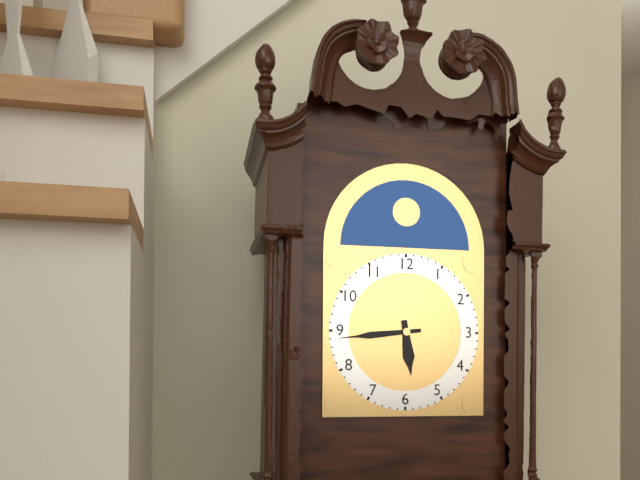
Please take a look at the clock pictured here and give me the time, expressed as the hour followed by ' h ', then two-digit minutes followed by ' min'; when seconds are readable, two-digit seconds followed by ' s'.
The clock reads 5 h 44 min
